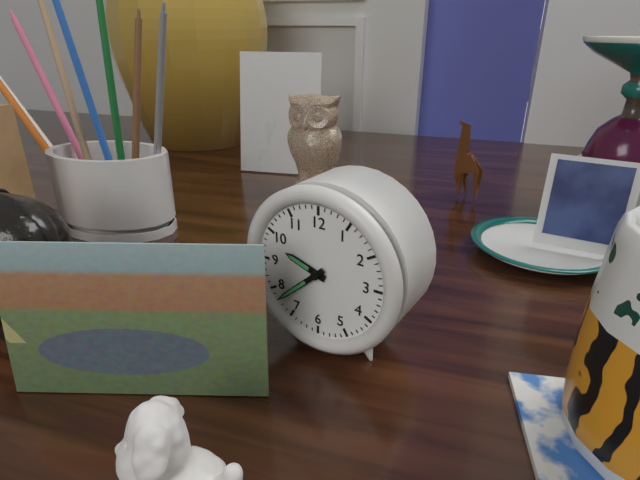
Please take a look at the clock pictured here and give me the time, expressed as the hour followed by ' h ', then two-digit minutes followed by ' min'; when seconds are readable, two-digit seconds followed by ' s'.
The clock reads 9 h 38 min
